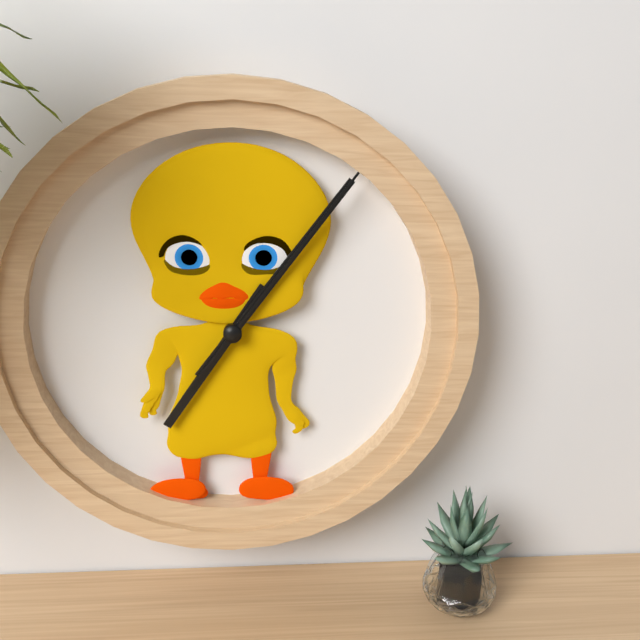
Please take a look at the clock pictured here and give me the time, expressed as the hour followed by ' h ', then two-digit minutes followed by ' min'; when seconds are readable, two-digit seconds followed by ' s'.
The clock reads 7 h 06 min 06 s
